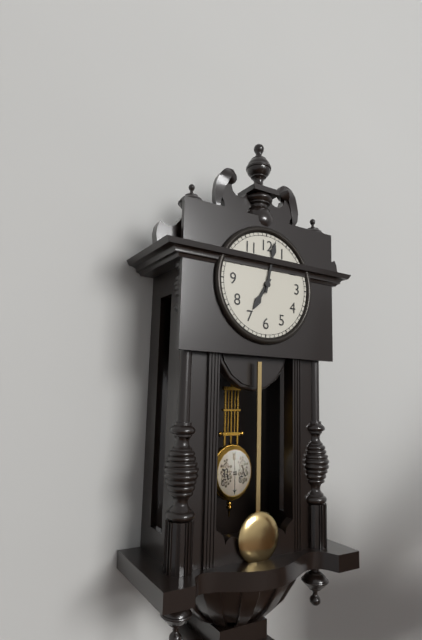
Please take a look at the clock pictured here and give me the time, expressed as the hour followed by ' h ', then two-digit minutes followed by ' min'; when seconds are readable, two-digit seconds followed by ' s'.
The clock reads 7 h 02 min
